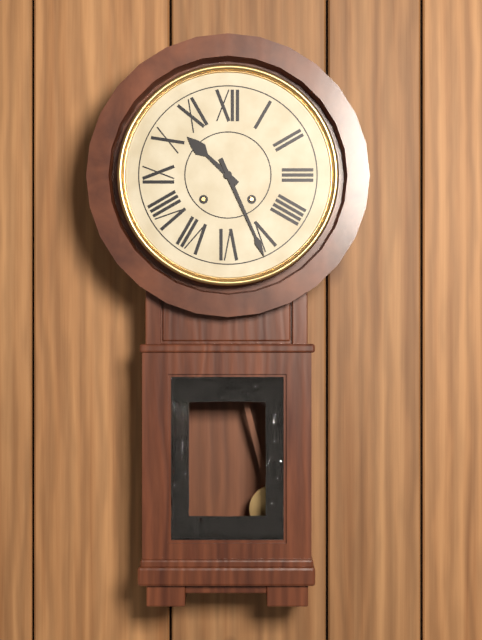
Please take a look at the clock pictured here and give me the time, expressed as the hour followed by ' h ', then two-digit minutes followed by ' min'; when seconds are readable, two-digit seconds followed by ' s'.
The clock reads 10 h 26 min
